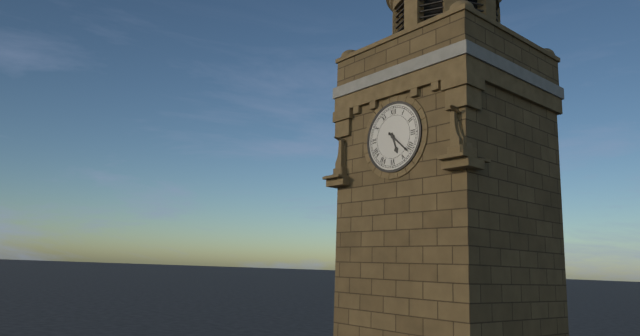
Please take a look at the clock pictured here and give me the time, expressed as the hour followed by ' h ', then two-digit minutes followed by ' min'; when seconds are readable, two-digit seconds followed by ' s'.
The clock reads 5 h 22 min
